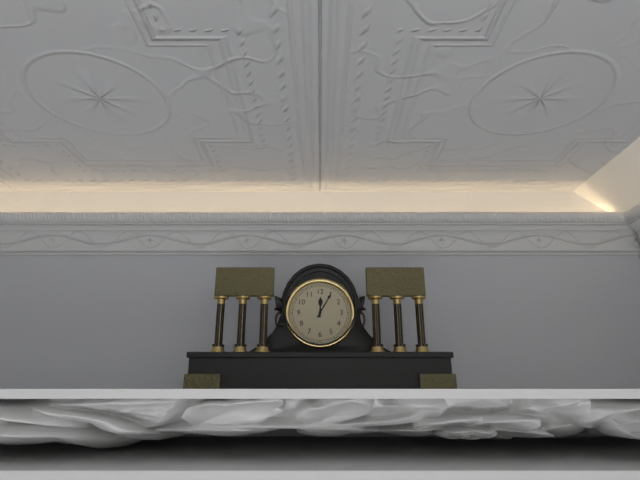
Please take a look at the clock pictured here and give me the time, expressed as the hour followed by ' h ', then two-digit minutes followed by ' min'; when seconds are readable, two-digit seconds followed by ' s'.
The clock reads 12 h 05 min
